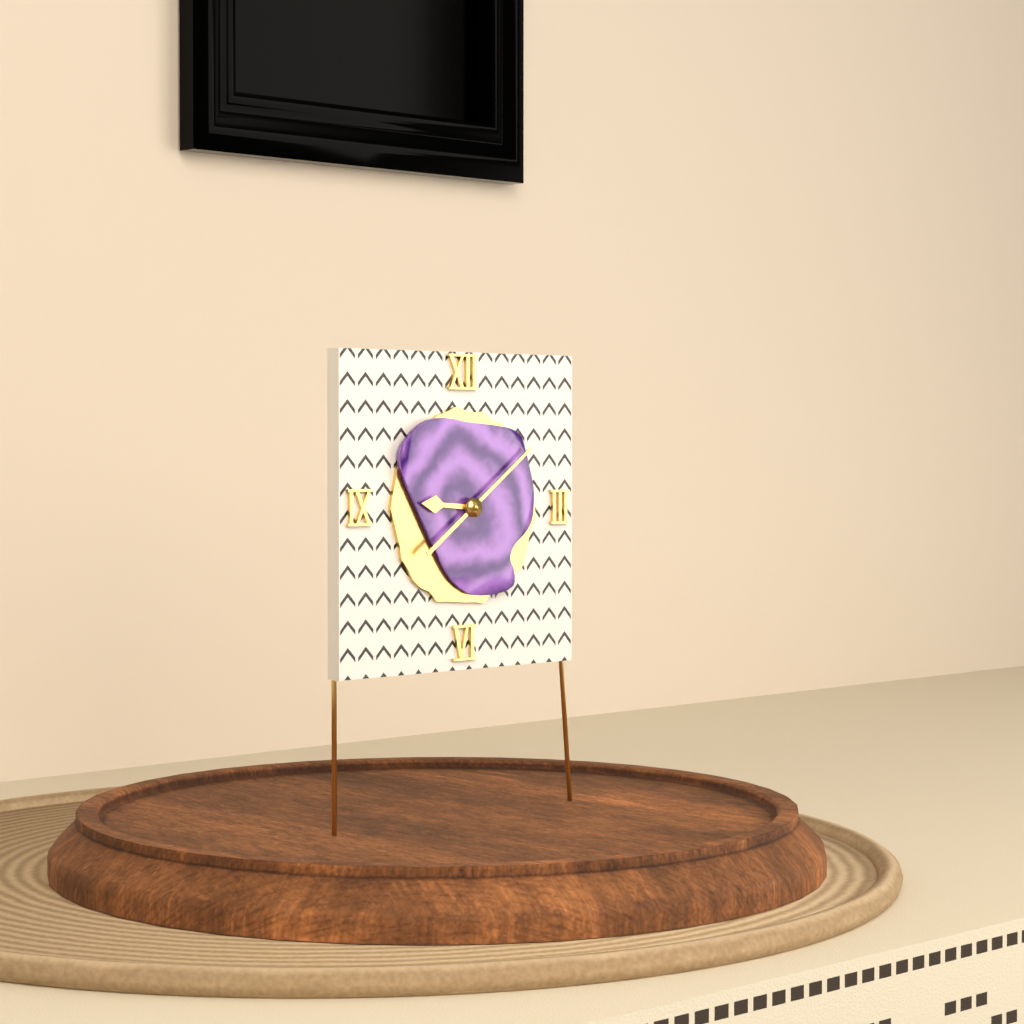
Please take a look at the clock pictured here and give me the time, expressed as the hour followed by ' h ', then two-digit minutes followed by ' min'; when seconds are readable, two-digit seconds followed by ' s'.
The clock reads 9 h 09 min
